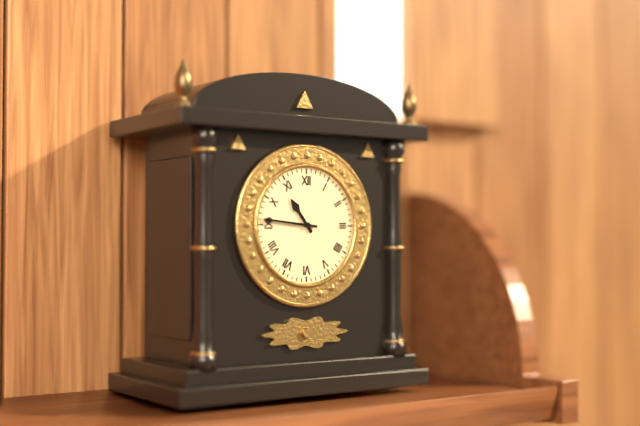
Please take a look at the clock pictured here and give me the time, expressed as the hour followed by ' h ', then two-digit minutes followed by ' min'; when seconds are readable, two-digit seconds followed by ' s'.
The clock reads 10 h 46 min
